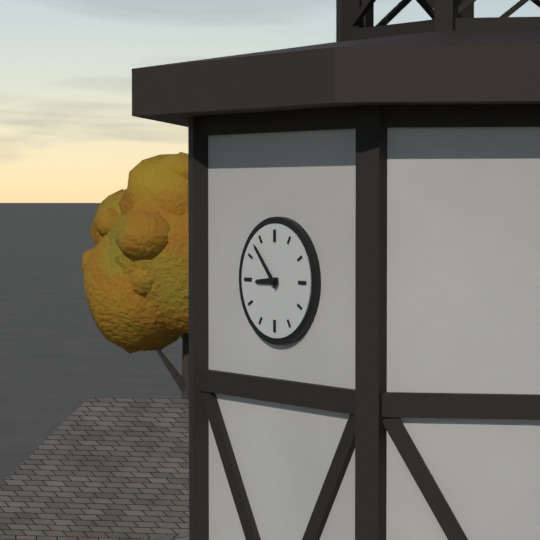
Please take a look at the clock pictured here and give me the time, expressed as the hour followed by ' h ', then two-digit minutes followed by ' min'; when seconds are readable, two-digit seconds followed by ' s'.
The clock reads 8 h 53 min
